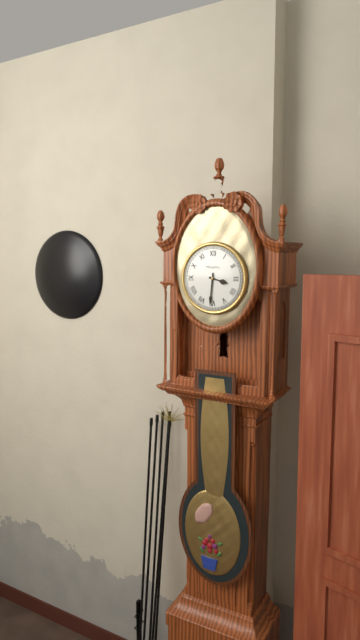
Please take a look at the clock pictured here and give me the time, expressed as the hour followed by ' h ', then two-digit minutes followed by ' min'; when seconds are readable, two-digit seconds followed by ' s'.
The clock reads 3 h 31 min
